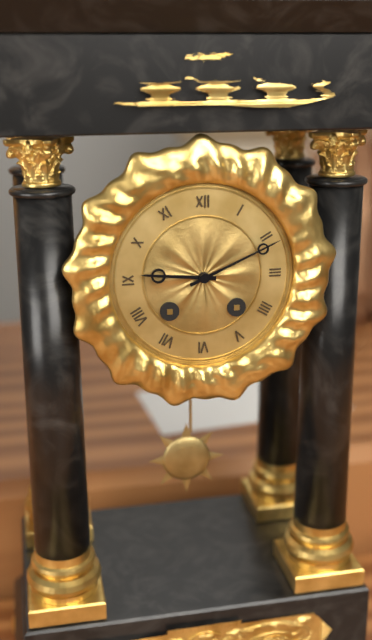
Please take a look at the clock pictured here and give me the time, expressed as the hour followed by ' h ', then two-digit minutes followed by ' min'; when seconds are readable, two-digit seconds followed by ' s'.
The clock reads 9 h 11 min
